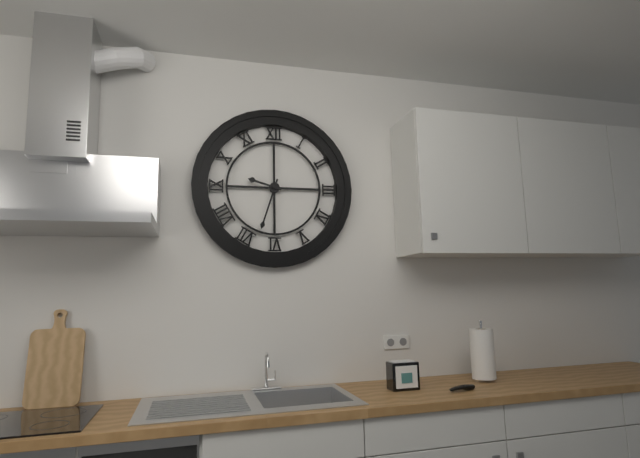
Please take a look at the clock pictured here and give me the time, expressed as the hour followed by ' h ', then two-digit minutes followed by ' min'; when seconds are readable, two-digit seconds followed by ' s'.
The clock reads 9 h 33 min
